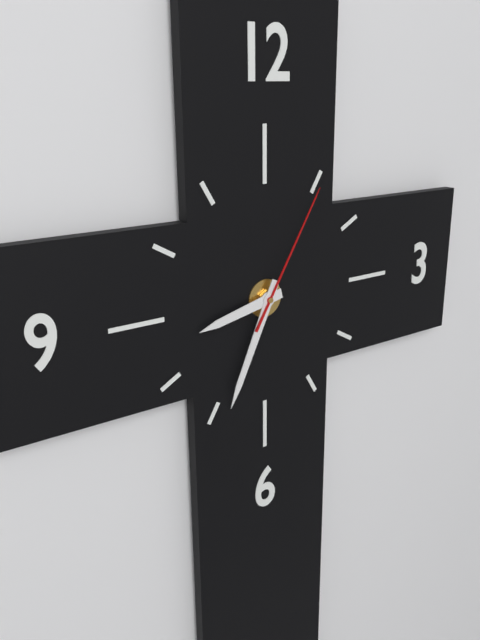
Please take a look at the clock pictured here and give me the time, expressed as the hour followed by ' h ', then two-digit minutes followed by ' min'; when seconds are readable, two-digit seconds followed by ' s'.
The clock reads 8 h 34 min 05 s
